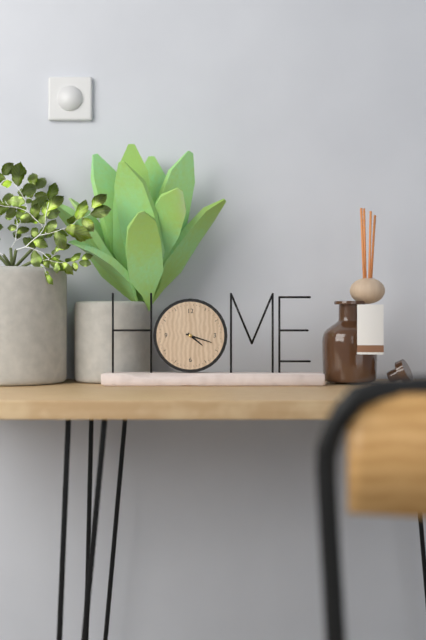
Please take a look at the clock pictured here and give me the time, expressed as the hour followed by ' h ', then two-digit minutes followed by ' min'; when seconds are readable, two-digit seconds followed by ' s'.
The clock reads 4 h 18 min
